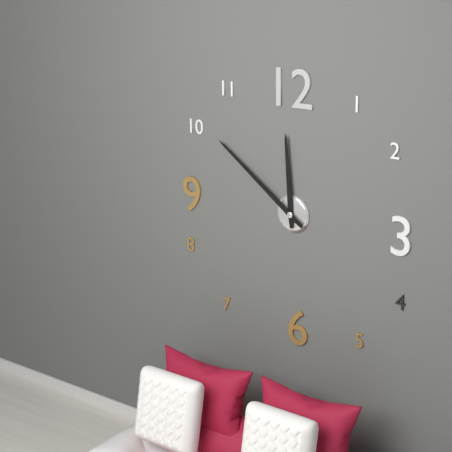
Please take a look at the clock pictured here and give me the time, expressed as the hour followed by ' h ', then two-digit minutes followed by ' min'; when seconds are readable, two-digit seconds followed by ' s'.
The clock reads 11 h 51 min
